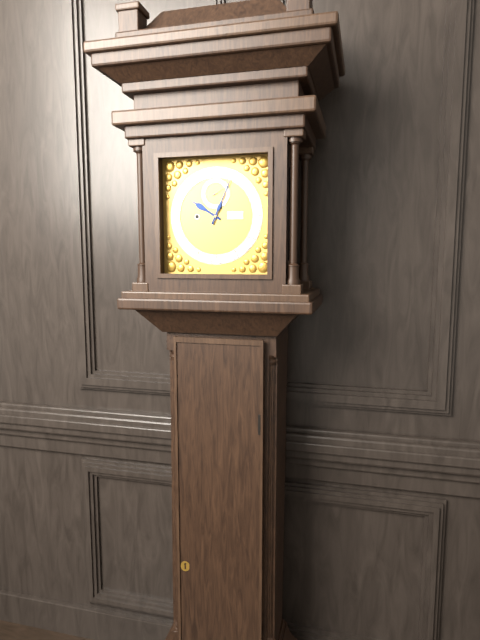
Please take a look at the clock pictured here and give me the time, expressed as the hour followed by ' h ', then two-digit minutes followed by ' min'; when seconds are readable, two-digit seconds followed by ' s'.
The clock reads 10 h 04 min
